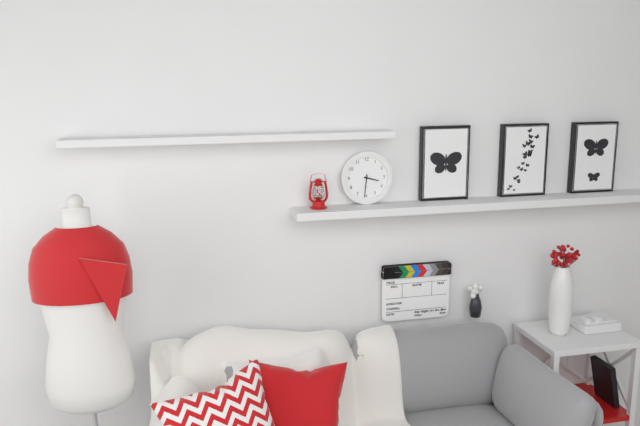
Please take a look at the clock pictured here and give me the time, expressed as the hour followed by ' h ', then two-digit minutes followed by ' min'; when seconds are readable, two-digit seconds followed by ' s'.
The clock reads 3 h 31 min
